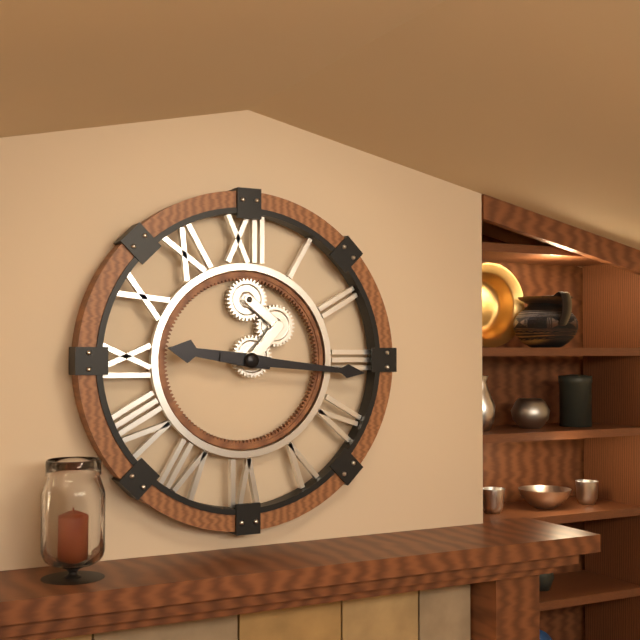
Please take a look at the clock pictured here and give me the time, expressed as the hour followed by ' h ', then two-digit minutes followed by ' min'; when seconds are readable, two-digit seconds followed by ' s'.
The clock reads 9 h 16 min
